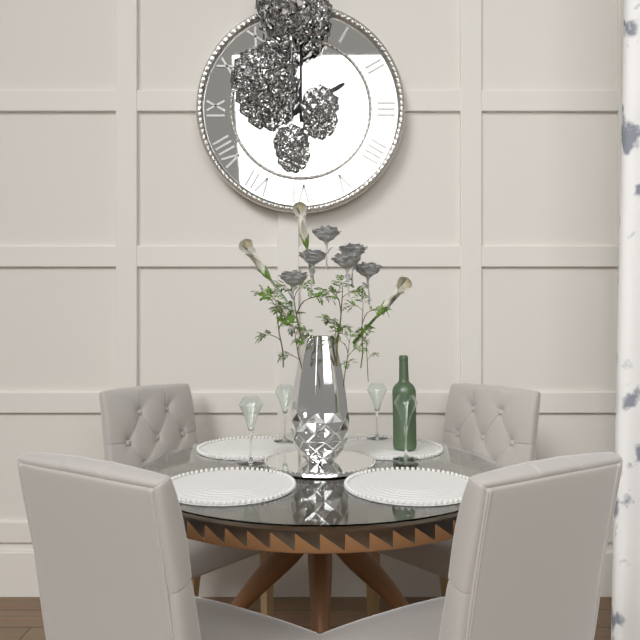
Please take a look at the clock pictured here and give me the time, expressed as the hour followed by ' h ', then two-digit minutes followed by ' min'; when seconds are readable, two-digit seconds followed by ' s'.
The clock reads 2 h 00 min
